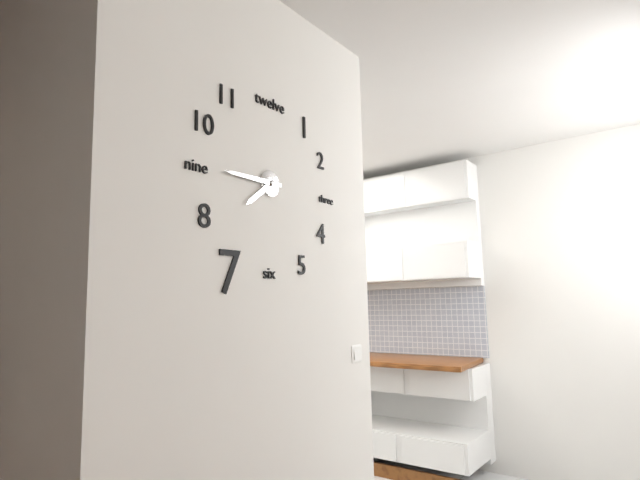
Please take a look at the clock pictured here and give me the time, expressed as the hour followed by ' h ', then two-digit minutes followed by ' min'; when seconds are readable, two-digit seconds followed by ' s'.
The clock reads 7 h 45 min
